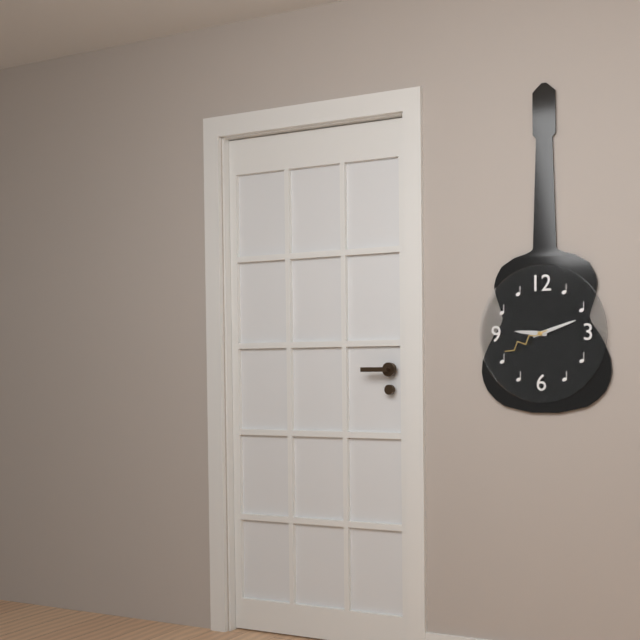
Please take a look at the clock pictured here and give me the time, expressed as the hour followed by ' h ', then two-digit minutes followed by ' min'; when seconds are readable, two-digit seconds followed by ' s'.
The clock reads 9 h 12 min
